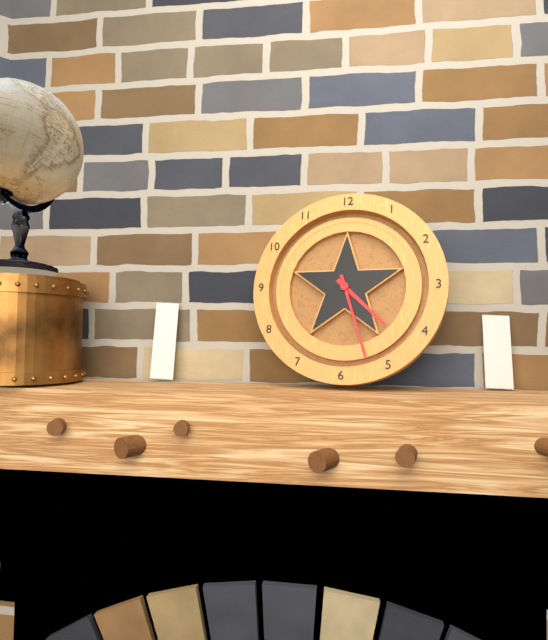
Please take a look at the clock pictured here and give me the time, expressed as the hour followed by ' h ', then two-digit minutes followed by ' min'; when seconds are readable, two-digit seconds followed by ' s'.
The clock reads 4 h 27 min
